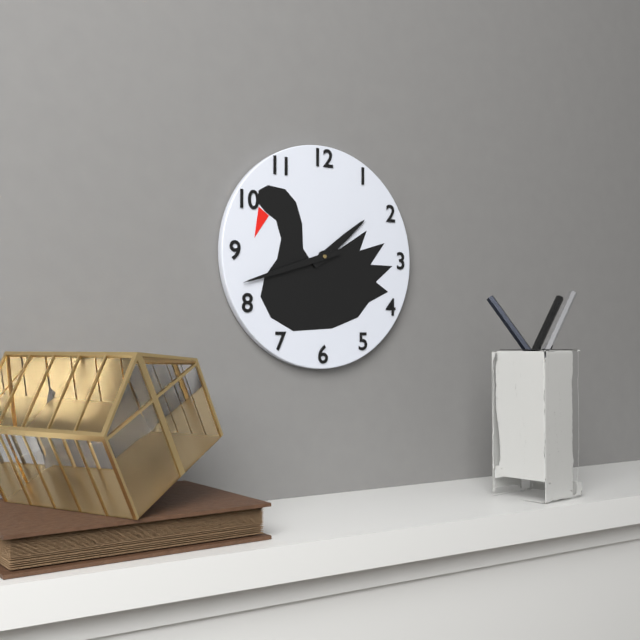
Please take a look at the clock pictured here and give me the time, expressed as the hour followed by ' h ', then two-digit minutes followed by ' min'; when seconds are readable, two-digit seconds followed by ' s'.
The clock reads 1 h 42 min
